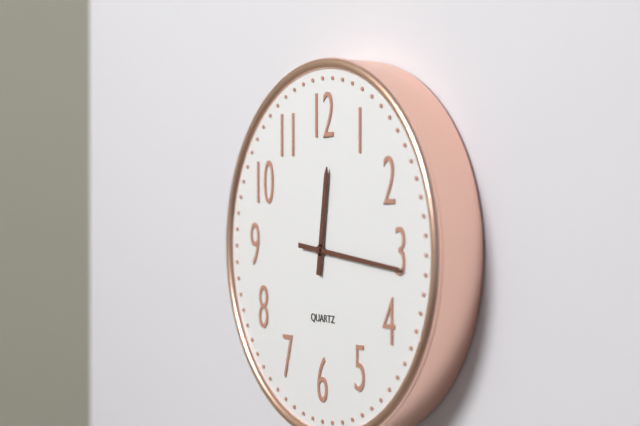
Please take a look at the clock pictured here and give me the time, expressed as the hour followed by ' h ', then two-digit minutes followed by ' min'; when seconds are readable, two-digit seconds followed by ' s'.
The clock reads 12 h 16 min
